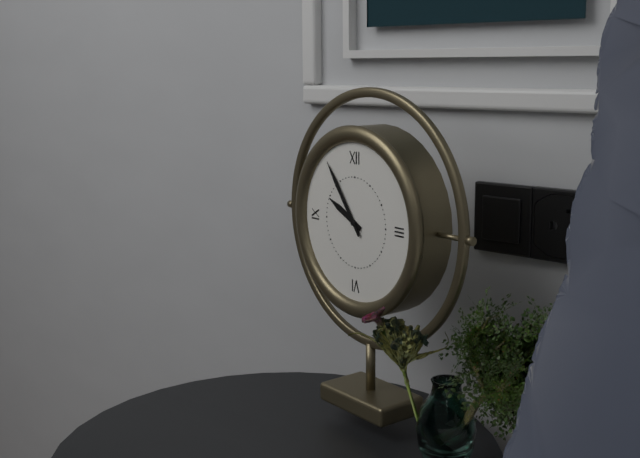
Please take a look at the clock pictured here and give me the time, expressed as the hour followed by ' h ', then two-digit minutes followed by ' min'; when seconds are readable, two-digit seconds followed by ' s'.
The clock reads 9 h 54 min
